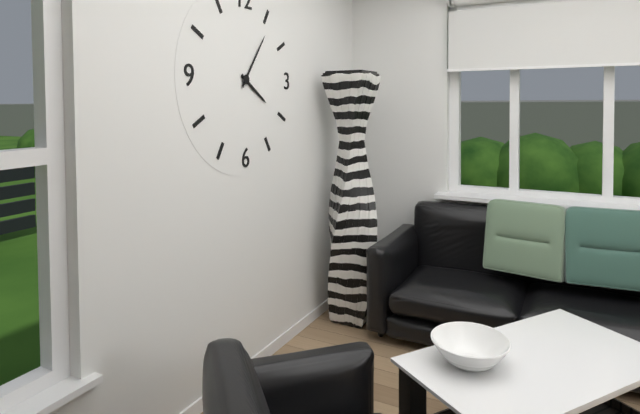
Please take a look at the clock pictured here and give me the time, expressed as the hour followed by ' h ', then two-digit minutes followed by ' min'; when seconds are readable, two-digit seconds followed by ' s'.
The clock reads 4 h 06 min
